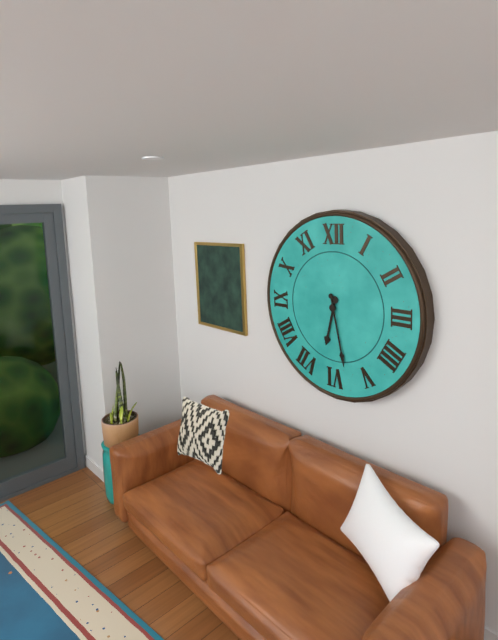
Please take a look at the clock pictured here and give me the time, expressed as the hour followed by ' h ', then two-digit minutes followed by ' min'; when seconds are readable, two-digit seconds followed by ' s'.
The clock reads 6 h 28 min
